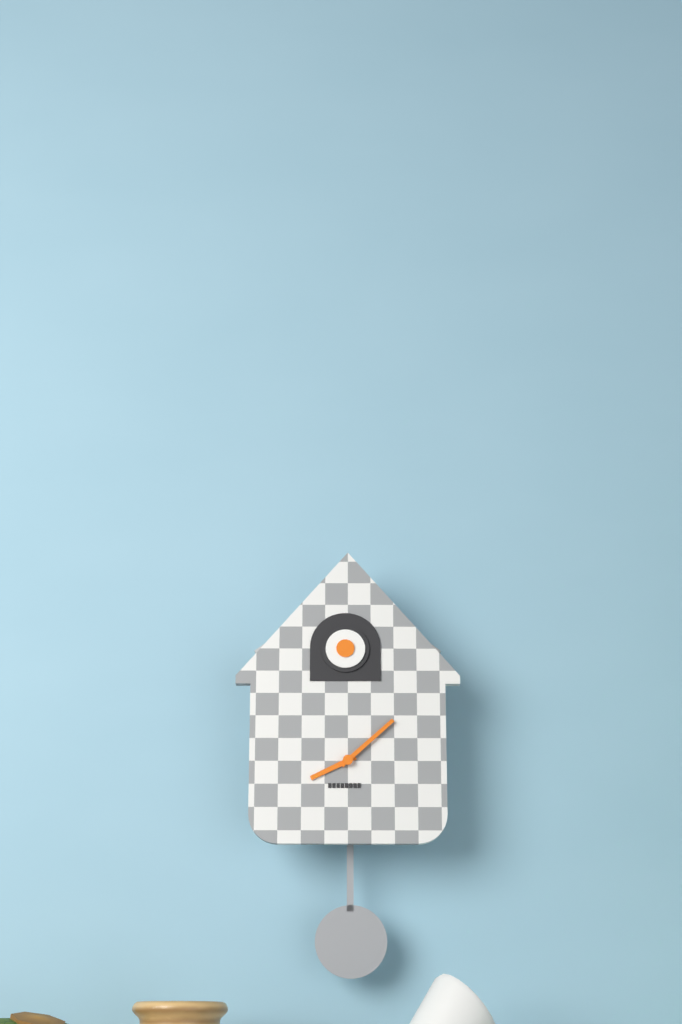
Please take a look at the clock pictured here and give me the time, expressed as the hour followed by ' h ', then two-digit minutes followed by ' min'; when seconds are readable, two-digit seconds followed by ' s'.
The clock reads 8 h 08 min
